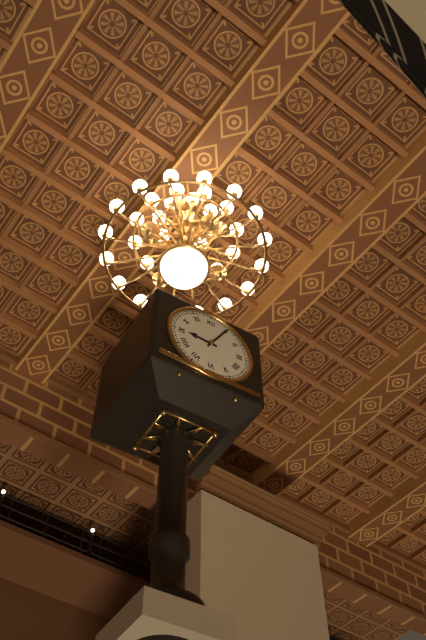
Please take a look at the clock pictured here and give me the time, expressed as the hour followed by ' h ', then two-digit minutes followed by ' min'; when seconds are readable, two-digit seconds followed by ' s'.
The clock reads 9 h 05 min
